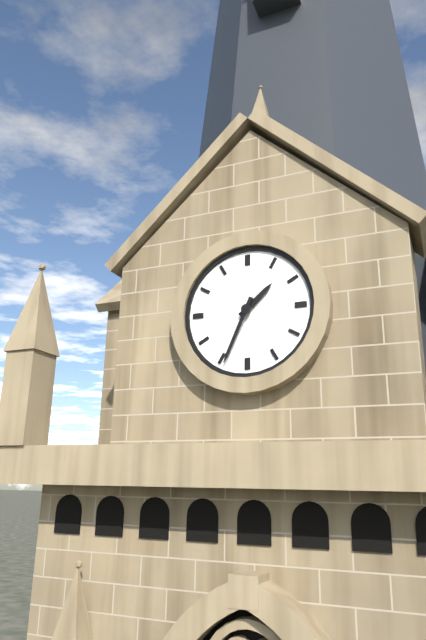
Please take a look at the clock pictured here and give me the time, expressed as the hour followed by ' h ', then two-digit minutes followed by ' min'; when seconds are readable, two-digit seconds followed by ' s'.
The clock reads 1 h 34 min
